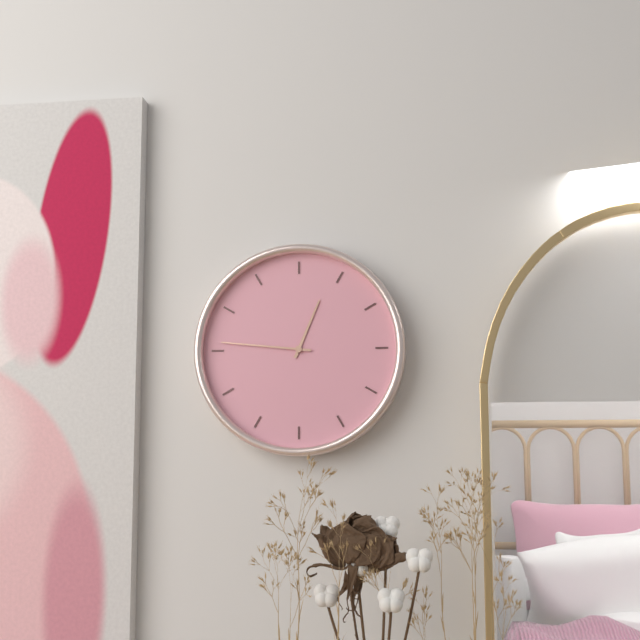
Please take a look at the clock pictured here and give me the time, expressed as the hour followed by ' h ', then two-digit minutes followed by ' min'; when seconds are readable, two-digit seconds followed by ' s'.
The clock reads 12 h 46 min
